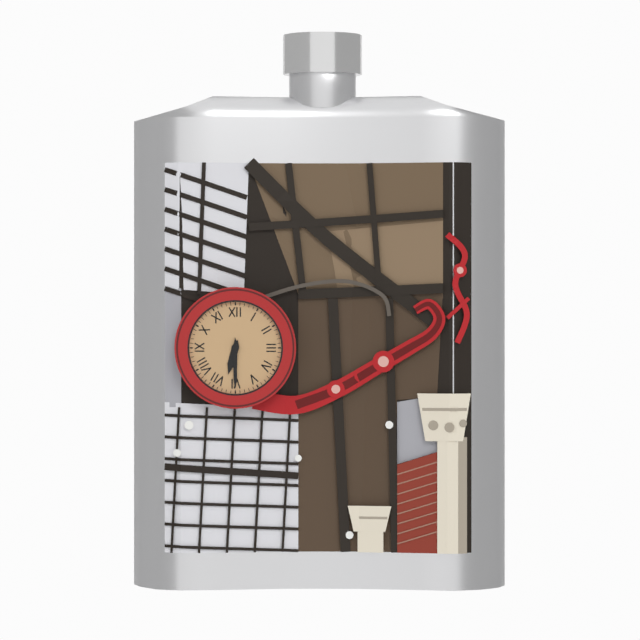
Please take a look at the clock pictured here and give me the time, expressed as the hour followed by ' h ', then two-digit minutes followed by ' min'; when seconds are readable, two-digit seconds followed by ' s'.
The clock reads 6 h 30 min
